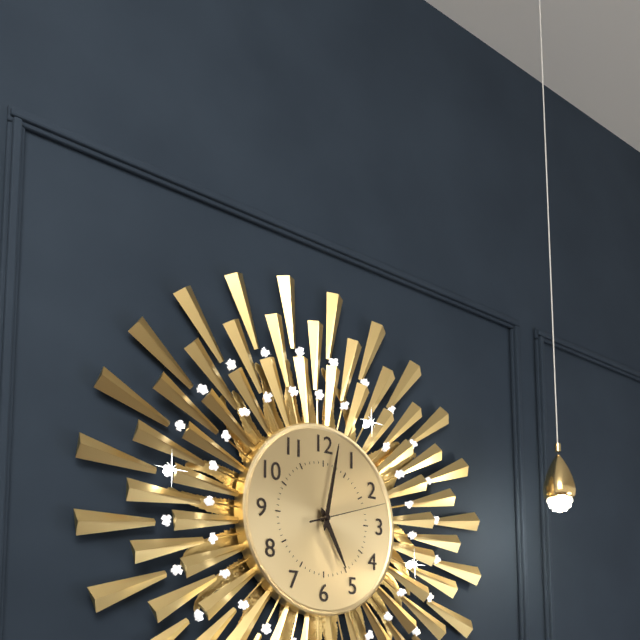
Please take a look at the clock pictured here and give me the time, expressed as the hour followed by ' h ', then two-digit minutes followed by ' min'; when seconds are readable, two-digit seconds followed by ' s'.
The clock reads 5 h 02 min 12 s
